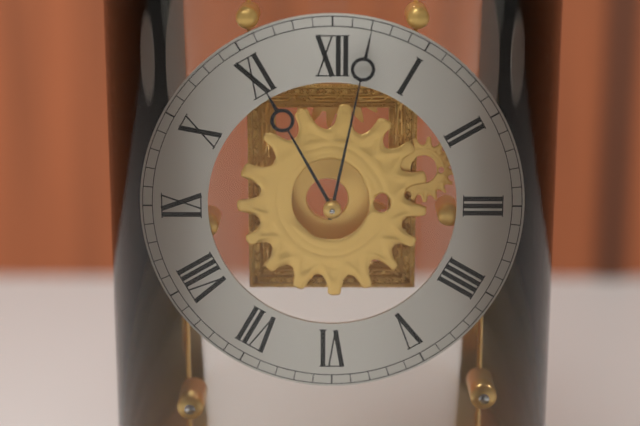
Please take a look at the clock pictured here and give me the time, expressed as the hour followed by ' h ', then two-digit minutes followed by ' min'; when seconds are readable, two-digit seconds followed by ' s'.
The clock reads 11 h 02 min
